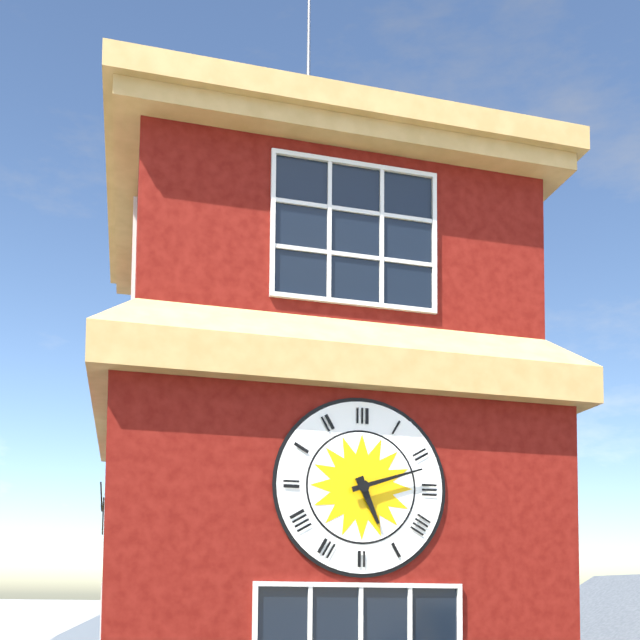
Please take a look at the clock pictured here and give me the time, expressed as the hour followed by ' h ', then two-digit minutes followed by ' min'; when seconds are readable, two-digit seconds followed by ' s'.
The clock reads 5 h 12 min
